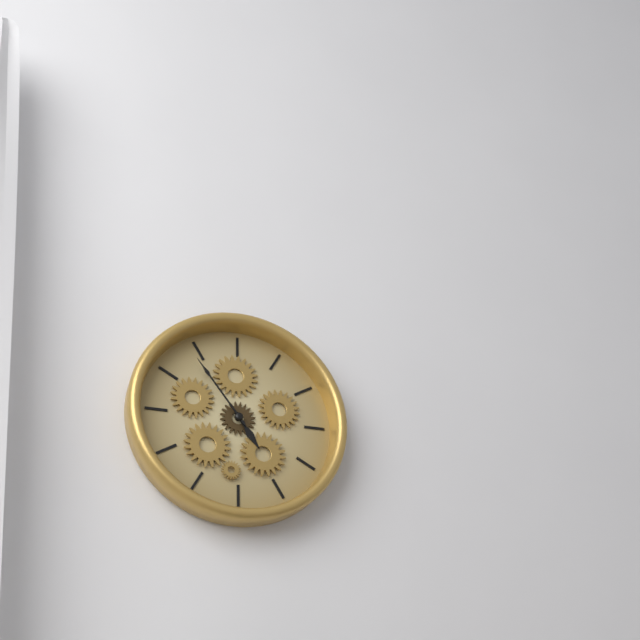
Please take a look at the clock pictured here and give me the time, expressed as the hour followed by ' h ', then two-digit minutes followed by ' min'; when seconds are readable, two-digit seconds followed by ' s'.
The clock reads 4 h 54 min
